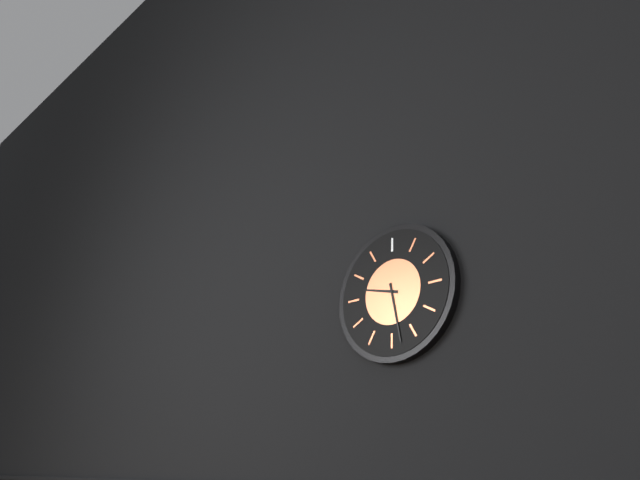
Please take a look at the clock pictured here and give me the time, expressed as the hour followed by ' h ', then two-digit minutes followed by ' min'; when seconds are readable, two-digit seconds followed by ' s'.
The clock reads 9 h 28 min
